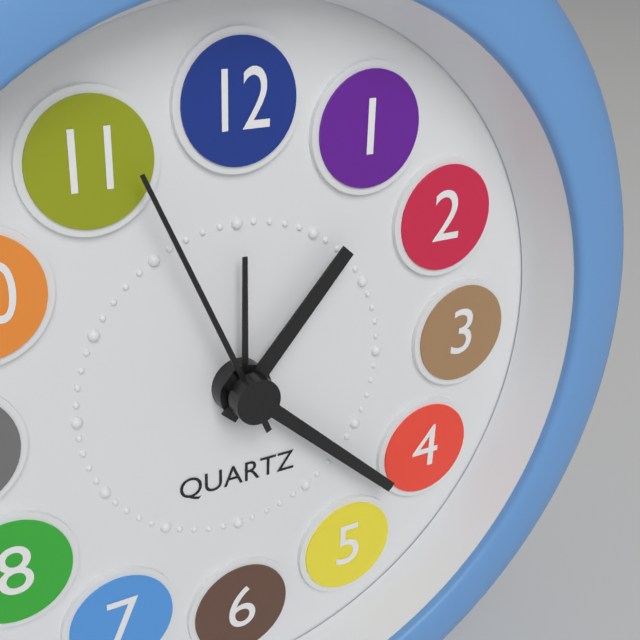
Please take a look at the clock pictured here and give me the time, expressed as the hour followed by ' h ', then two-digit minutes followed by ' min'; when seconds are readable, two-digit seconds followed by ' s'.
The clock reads 1 h 22 min 56 s
